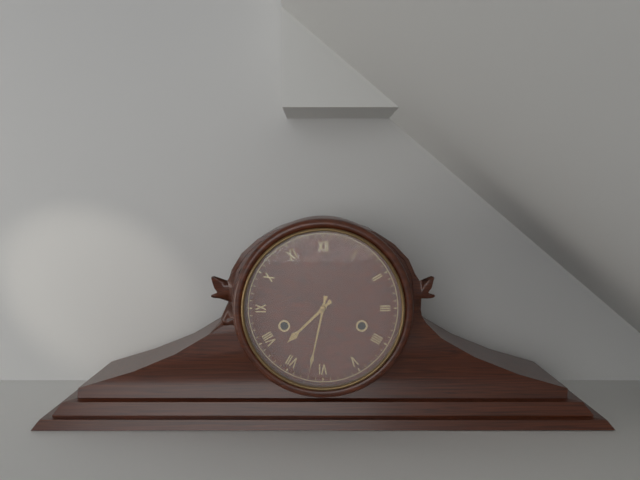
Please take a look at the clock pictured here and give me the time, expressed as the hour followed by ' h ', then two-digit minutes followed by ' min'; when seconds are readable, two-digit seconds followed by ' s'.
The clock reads 7 h 32 min
